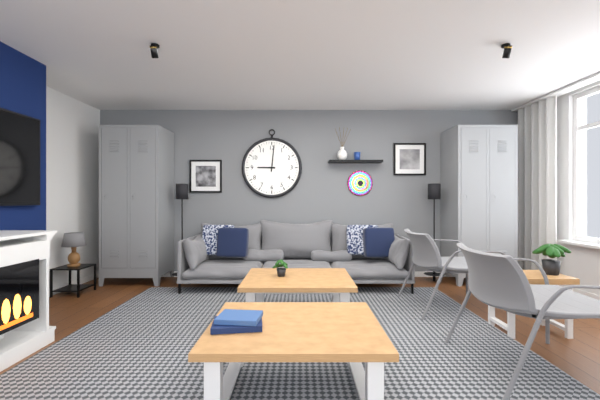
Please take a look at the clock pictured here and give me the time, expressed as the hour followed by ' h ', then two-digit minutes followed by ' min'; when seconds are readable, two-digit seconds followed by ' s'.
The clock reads 9 h 01 min
